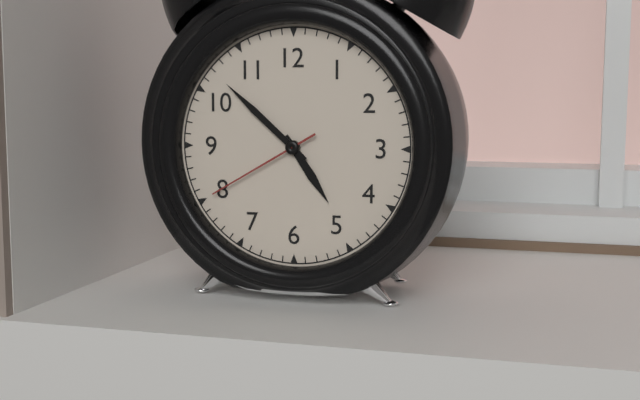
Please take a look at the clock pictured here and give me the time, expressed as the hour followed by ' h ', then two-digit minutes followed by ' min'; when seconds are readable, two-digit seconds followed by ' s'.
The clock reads 4 h 52 min 40 s
